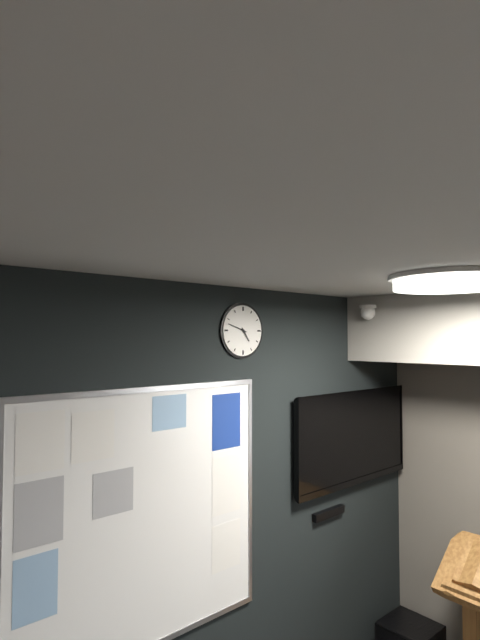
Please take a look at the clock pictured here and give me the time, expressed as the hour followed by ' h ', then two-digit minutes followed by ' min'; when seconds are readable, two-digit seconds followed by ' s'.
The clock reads 4 h 48 min
